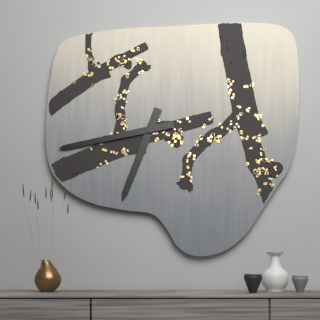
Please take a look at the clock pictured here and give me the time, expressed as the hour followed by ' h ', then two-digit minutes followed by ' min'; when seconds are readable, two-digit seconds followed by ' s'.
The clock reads 6 h 43 min
